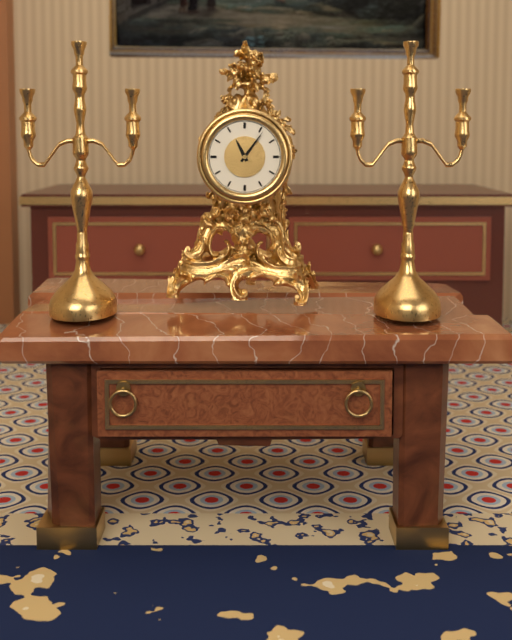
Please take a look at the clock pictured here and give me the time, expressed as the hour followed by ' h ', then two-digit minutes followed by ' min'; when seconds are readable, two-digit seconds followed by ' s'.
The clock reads 11 h 06 min
